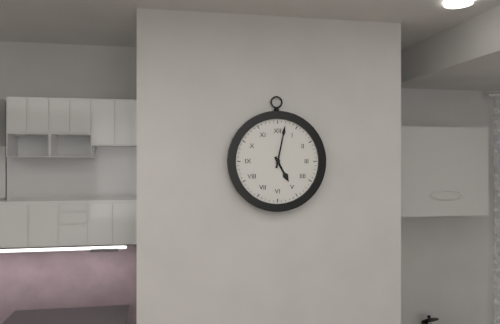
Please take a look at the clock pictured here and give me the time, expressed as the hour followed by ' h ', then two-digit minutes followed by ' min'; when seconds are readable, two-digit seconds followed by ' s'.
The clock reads 5 h 02 min
